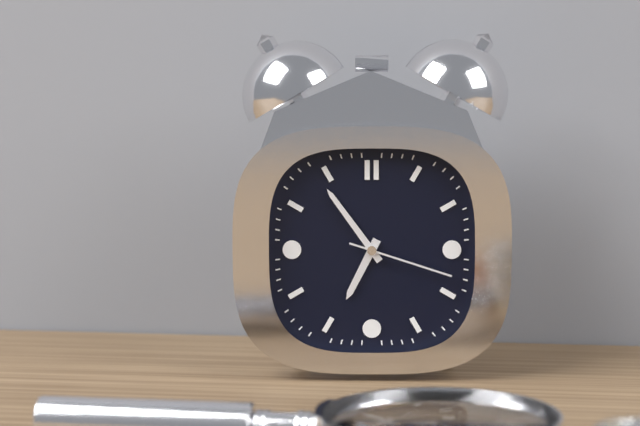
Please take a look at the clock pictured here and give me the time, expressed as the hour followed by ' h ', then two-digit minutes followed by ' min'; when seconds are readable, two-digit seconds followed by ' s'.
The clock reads 6 h 54 min 18 s
